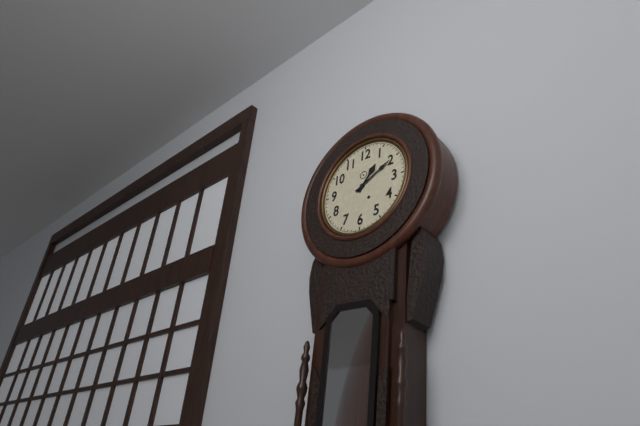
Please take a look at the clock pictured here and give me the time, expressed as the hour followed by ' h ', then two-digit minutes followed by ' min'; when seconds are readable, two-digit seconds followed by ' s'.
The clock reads 1 h 10 min
